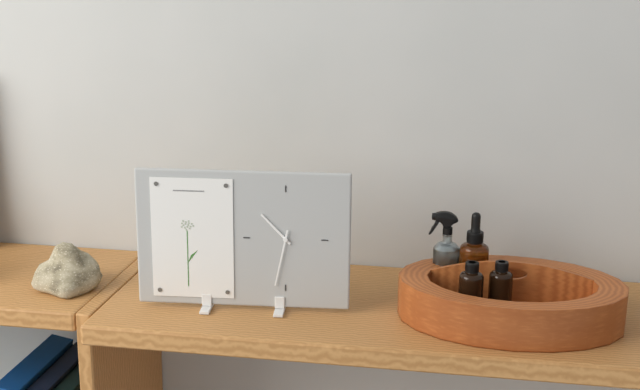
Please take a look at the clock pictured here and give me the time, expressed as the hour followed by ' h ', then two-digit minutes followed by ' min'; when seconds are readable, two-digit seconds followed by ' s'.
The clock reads 10 h 32 min
